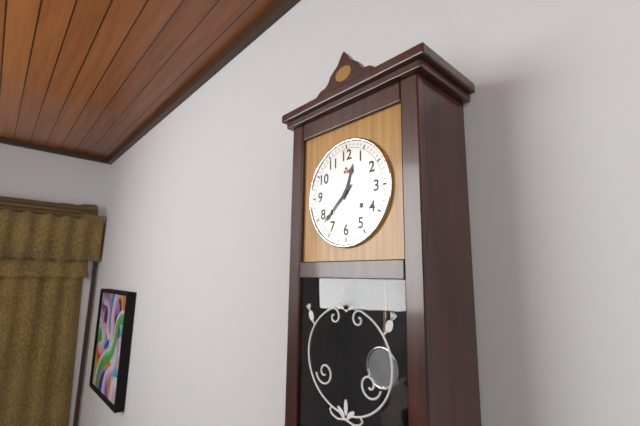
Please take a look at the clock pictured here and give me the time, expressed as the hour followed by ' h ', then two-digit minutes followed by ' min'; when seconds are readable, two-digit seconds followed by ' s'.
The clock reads 12 h 38 min
